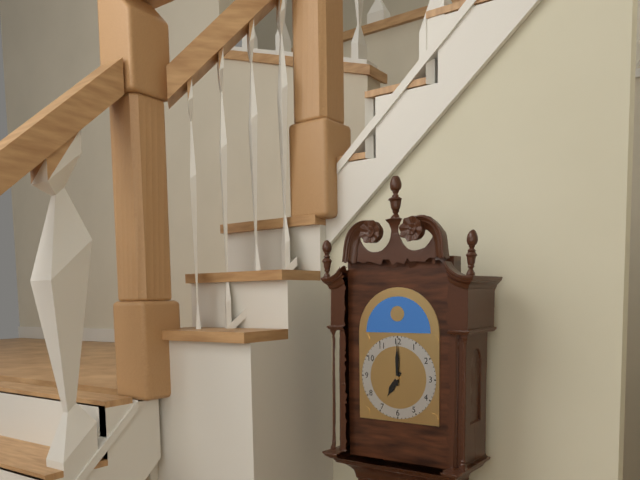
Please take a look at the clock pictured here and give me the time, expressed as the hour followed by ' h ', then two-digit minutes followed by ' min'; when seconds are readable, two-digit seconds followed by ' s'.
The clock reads 7 h 00 min
